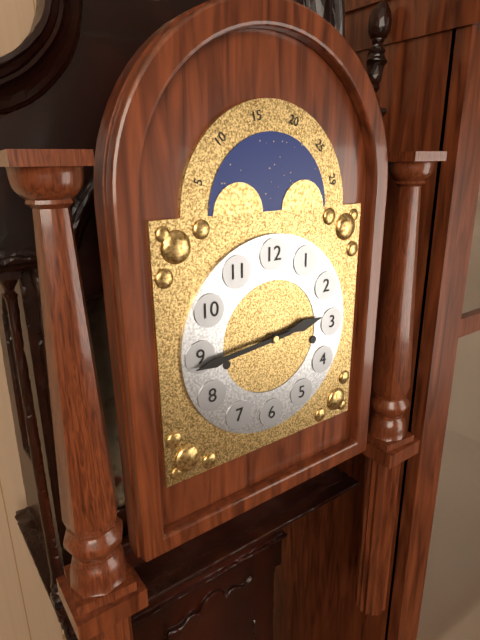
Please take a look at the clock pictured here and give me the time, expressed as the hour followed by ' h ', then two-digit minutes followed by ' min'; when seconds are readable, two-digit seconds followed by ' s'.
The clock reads 2 h 44 min
